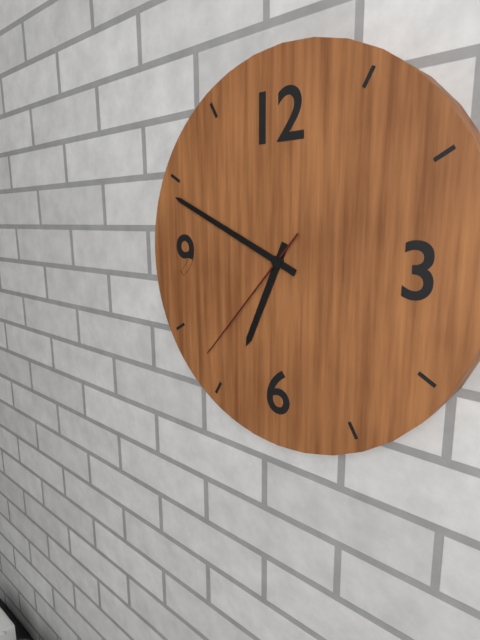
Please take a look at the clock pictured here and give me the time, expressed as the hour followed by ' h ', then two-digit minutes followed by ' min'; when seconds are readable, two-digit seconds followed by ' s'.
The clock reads 6 h 49 min 37 s
